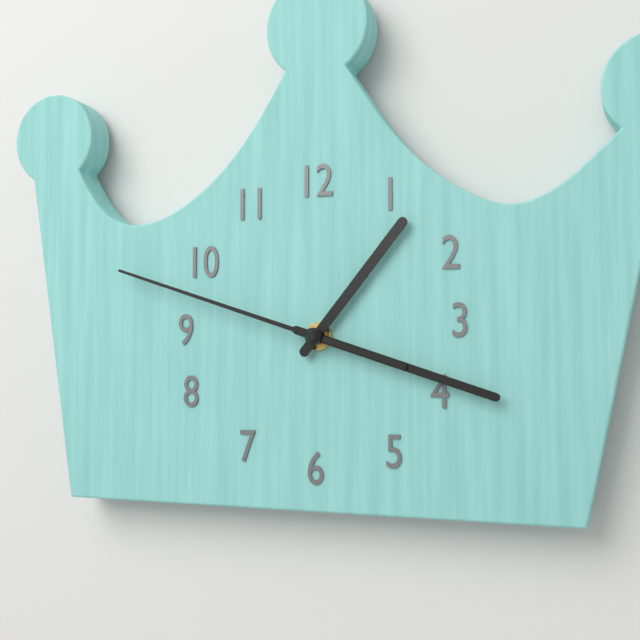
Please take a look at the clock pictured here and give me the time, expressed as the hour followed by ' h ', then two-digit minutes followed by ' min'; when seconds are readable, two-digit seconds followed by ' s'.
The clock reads 1 h 18 min 48 s
